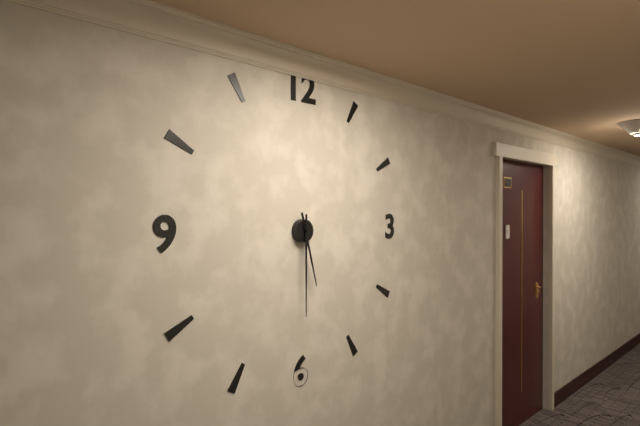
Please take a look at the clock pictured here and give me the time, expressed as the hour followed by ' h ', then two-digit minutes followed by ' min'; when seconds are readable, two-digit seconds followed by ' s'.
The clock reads 5 h 30 min
